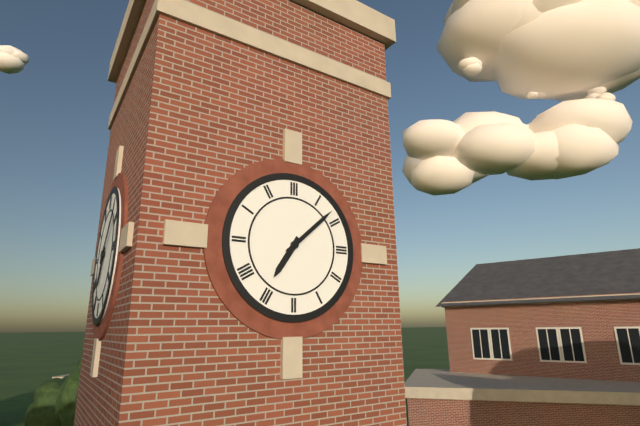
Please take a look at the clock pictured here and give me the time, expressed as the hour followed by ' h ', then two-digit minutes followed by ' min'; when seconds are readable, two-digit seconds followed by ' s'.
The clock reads 7 h 08 min
